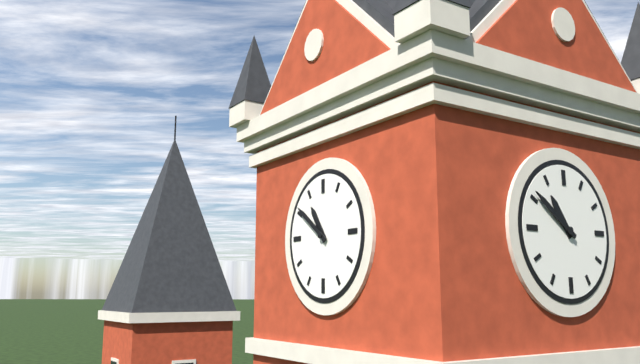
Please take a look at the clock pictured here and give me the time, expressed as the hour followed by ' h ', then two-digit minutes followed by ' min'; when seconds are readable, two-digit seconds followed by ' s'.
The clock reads 10 h 51 min
